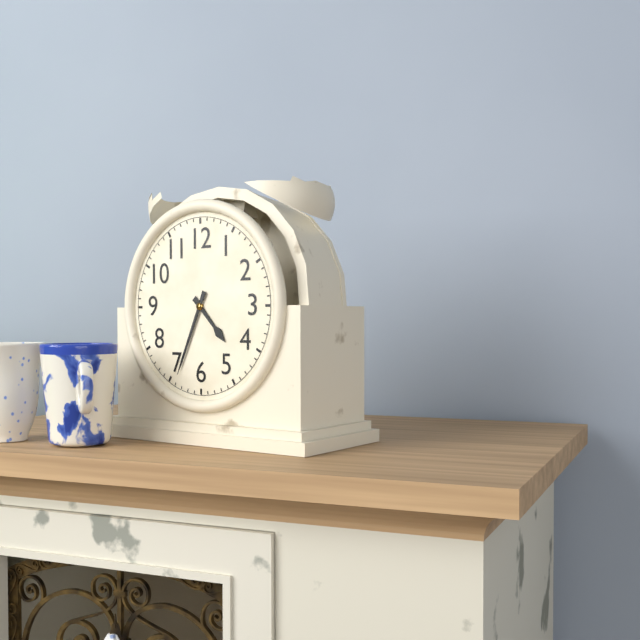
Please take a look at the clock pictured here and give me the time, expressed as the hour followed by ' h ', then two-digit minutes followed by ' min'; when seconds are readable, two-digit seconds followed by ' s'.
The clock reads 4 h 34 min
